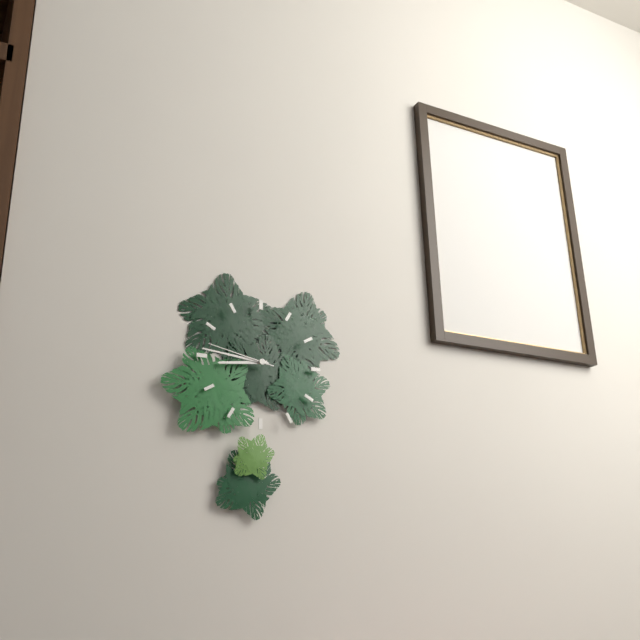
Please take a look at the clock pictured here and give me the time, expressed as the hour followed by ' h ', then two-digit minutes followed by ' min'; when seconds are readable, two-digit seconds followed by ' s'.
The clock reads 8 h 46 min 47 s
